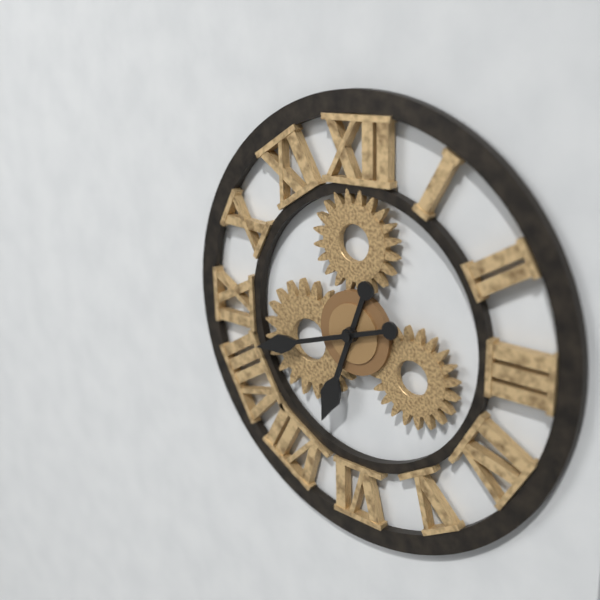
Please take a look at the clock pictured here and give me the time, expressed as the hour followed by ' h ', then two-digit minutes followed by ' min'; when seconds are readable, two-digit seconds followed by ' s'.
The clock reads 6 h 42 min
